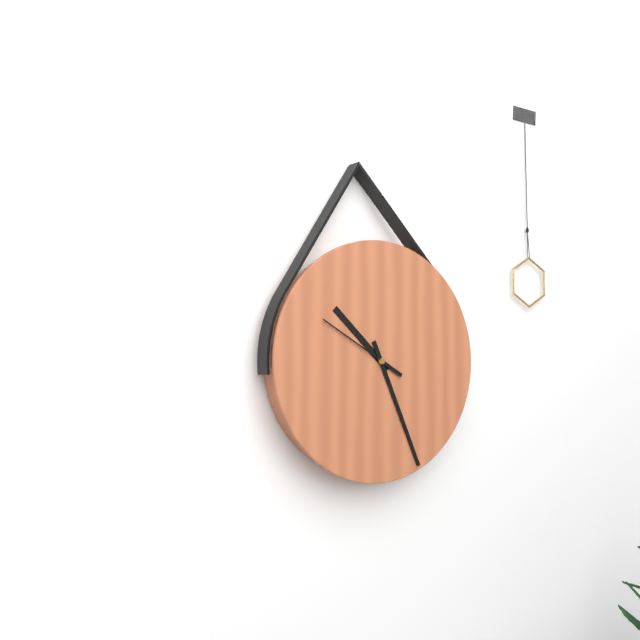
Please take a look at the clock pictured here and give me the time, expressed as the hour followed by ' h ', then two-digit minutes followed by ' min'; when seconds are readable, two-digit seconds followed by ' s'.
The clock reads 10 h 26 min 50 s
